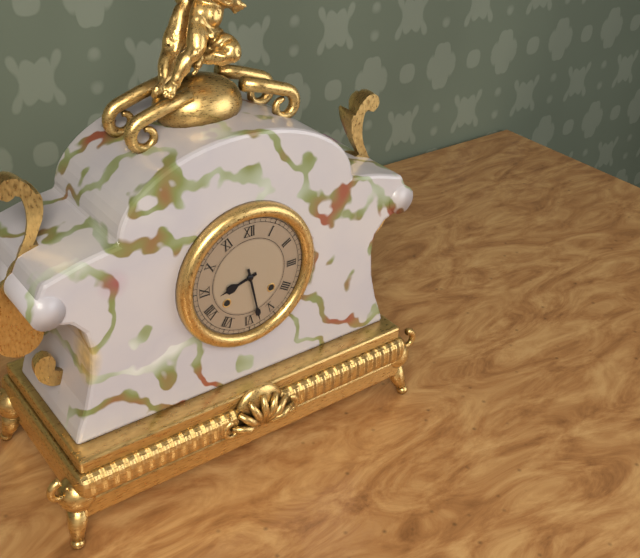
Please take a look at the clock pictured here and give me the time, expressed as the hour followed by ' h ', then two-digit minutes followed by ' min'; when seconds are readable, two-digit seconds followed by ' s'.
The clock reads 8 h 28 min
